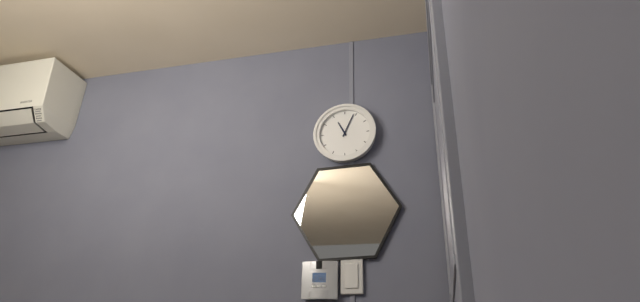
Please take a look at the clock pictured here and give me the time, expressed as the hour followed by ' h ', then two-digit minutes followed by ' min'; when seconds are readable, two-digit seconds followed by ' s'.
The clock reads 11 h 04 min
